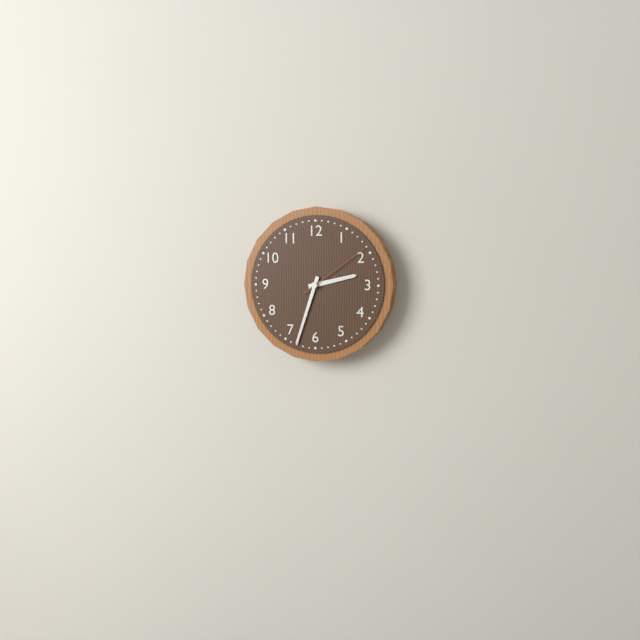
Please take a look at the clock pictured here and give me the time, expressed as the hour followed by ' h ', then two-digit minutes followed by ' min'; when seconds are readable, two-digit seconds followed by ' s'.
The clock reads 2 h 33 min 09 s
